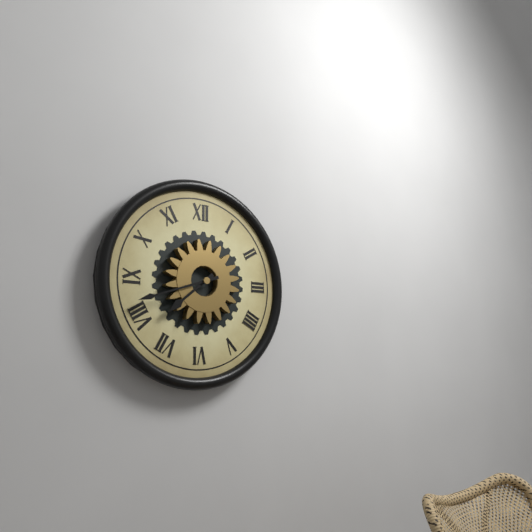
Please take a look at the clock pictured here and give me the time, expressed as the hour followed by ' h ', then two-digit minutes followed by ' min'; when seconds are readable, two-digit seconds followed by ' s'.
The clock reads 7 h 42 min
